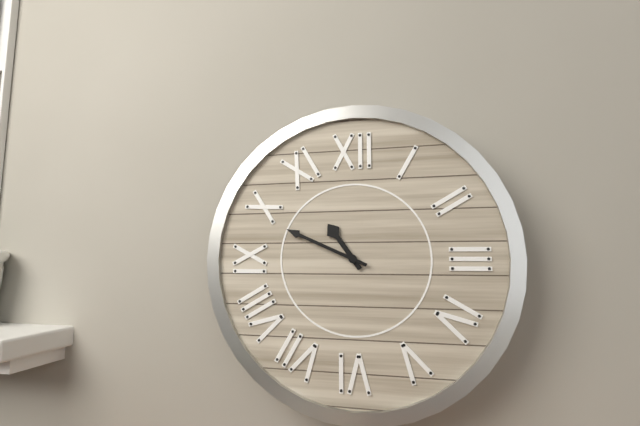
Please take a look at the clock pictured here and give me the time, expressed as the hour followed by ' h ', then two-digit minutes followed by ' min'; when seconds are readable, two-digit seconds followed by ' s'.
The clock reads 10 h 49 min
